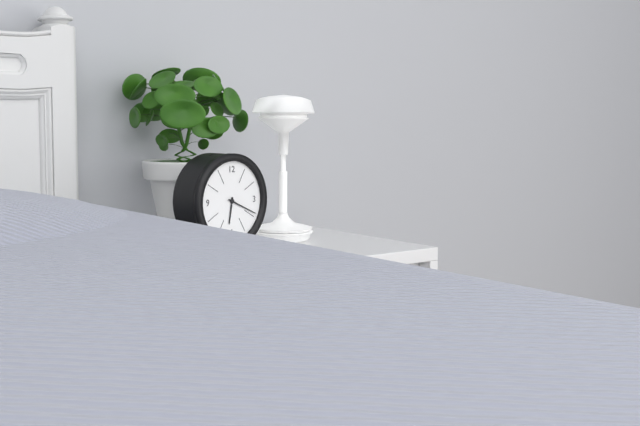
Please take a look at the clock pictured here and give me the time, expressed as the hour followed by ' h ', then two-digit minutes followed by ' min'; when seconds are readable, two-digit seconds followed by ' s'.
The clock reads 6 h 19 min
